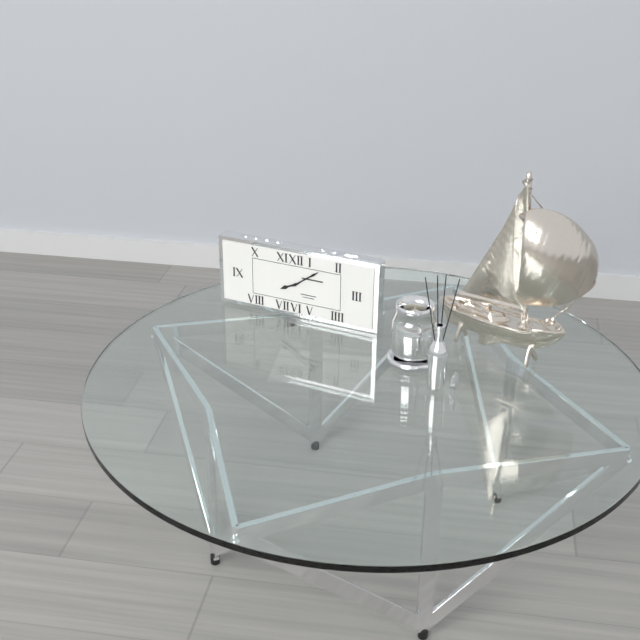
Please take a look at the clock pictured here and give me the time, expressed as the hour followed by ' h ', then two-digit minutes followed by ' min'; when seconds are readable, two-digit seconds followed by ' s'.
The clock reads 8 h 09 min
